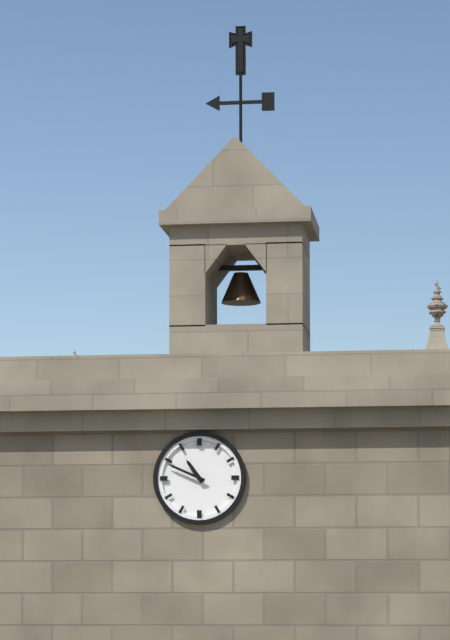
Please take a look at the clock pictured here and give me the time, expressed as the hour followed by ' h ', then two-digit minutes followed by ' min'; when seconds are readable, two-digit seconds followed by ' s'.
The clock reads 10 h 49 min
